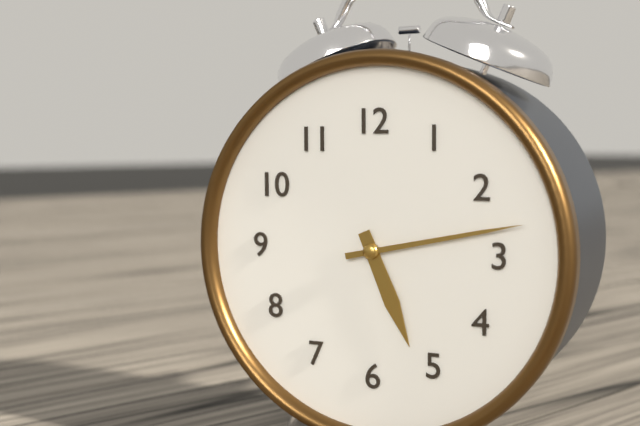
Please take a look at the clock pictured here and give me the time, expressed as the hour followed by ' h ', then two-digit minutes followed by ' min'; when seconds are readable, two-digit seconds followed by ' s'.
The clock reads 5 h 13 min
